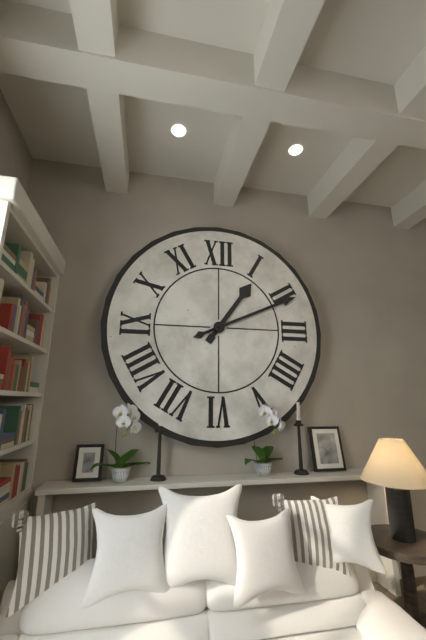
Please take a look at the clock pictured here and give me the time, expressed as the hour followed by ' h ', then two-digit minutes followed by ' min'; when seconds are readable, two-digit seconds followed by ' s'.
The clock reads 1 h 11 min
